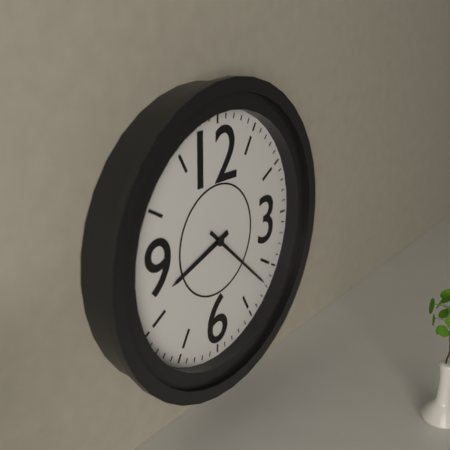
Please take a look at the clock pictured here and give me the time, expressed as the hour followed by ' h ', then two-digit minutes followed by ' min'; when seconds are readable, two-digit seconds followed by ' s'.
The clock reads 8 h 22 min
